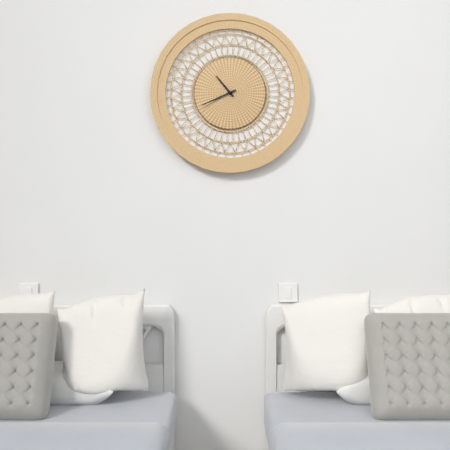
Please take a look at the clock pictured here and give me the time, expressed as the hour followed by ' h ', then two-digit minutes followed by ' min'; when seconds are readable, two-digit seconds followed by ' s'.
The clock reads 10 h 41 min
